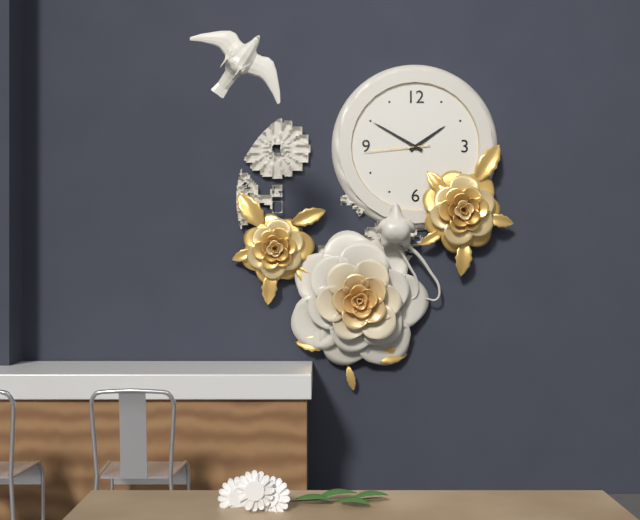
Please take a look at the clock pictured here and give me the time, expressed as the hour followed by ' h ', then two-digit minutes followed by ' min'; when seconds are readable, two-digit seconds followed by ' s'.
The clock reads 1 h 50 min 44 s
